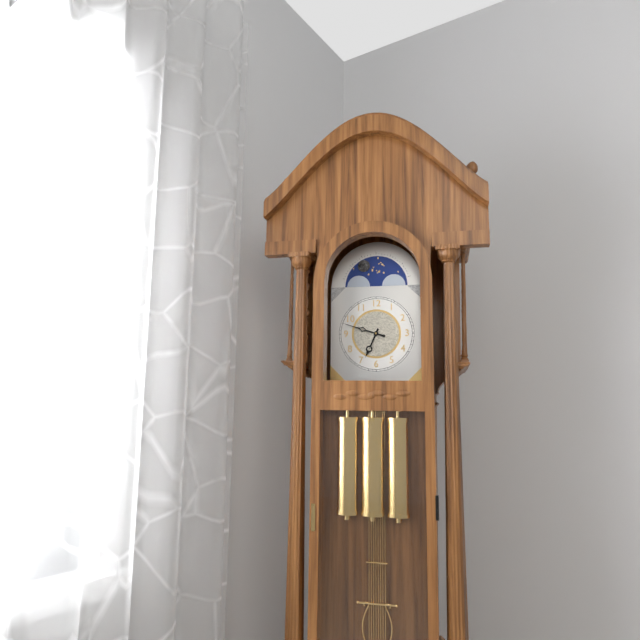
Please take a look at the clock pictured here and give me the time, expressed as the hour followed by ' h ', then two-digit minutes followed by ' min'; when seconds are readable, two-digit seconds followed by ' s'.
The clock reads 6 h 48 min
